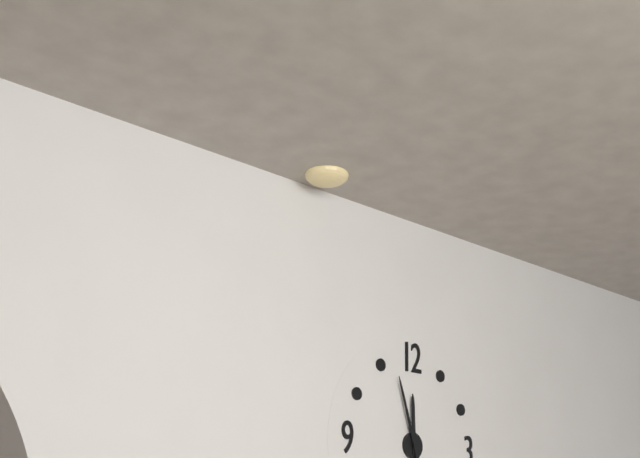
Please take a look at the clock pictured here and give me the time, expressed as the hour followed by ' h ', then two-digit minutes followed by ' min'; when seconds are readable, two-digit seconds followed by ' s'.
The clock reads 11 h 57 min
